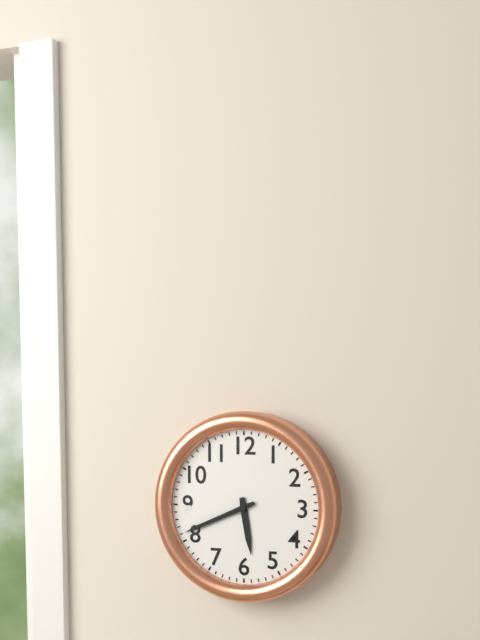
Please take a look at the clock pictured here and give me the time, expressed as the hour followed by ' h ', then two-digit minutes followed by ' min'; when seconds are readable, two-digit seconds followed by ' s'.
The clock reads 5 h 41 min
